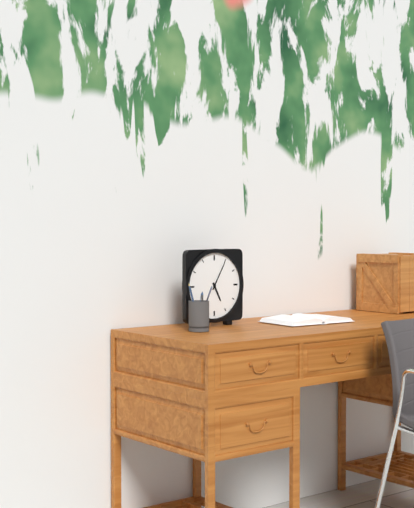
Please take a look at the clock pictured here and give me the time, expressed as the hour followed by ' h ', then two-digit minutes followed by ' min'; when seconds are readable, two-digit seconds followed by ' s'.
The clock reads 5 h 05 min
